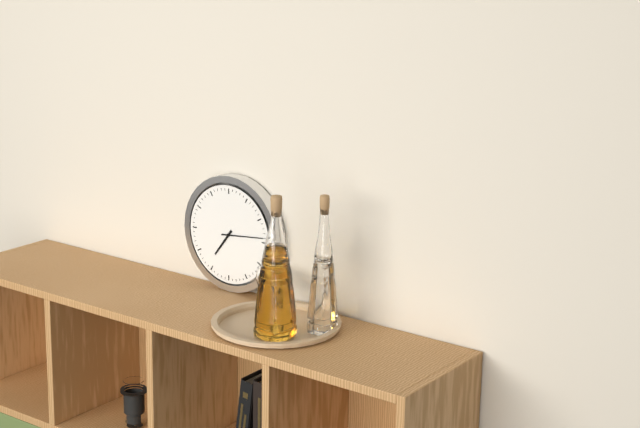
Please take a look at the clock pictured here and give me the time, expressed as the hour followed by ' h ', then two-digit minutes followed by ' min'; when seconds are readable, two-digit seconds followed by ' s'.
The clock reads 7 h 14 min
